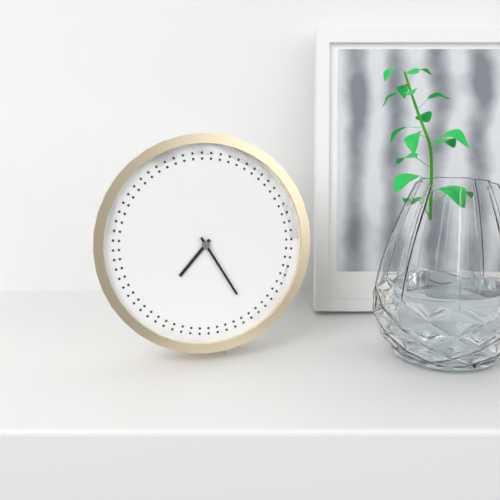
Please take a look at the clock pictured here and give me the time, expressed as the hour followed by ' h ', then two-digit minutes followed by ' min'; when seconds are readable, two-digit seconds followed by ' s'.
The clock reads 7 h 25 min
